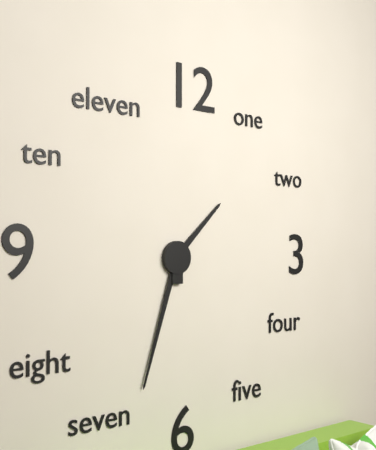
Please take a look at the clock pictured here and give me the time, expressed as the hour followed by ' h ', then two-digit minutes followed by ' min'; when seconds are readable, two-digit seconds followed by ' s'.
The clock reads 1 h 33 min
